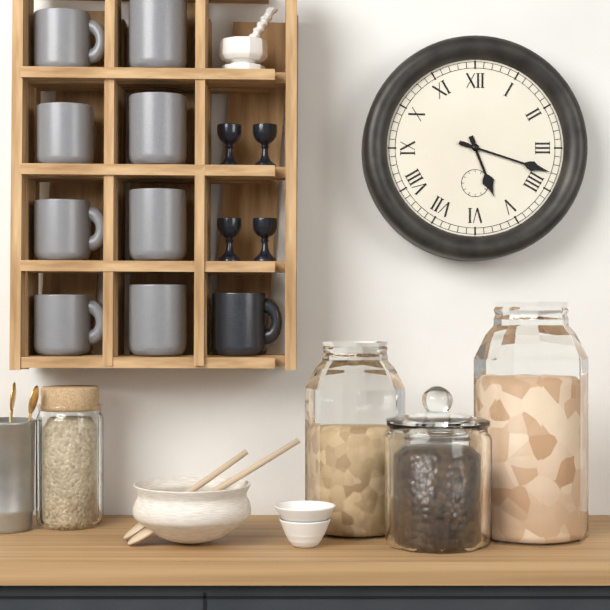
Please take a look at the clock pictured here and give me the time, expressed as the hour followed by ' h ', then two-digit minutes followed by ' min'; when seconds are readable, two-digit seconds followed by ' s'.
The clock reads 5 h 18 min
